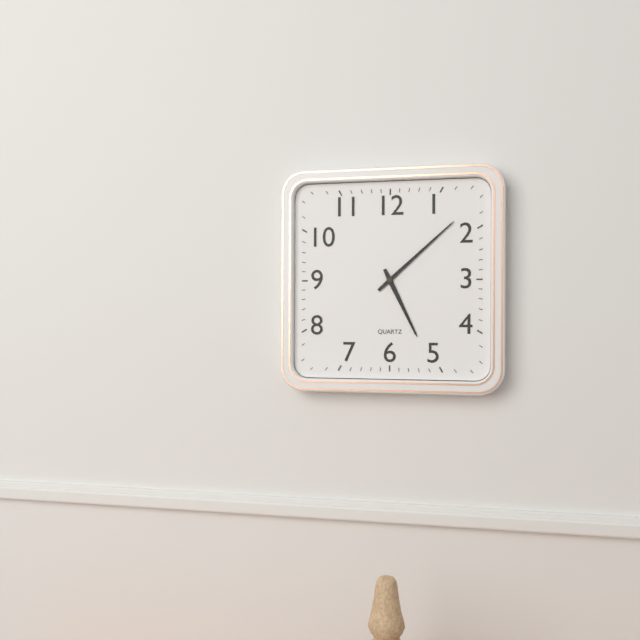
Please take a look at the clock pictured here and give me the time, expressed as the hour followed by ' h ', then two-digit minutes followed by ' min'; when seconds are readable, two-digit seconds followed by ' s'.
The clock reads 5 h 08 min
